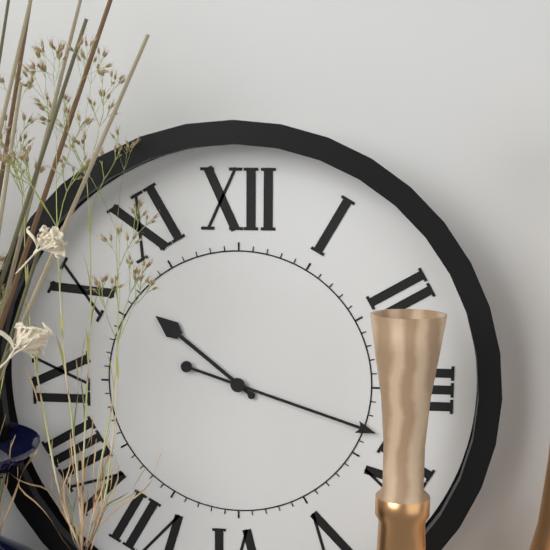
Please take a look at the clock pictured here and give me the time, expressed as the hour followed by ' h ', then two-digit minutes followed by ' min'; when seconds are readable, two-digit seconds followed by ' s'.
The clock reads 10 h 18 min
